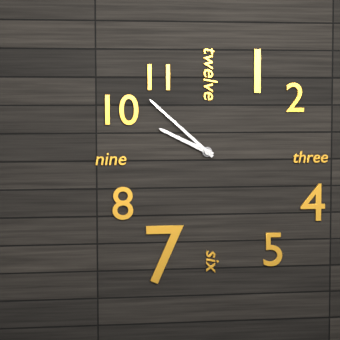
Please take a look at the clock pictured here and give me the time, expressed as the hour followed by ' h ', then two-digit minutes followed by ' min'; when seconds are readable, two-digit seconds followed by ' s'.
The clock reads 9 h 52 min
